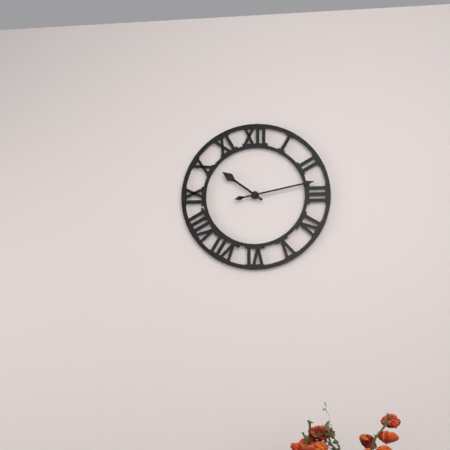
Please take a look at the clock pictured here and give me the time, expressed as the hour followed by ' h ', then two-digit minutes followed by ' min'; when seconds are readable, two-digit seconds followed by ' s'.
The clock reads 10 h 13 min
